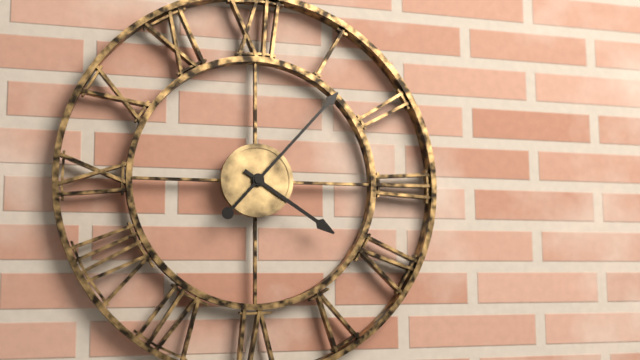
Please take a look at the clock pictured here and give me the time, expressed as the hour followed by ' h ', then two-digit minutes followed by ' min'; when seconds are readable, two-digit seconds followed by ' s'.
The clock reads 4 h 07 min
